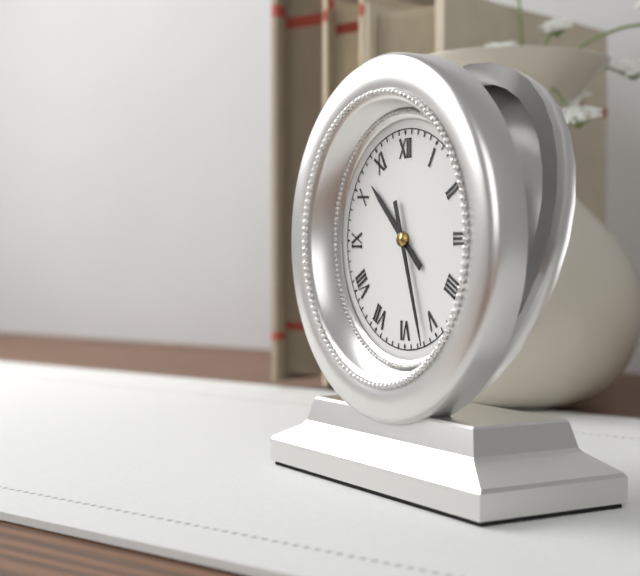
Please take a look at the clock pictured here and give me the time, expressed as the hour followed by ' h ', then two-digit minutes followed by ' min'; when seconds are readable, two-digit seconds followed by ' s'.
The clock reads 10 h 27 min
